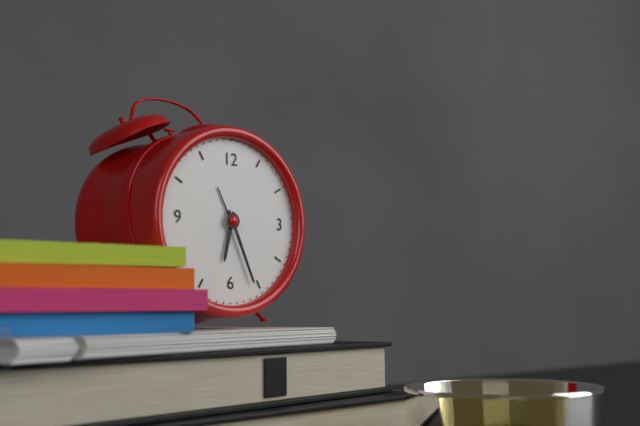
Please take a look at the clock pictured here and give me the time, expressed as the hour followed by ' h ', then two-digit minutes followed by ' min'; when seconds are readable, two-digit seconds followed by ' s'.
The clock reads 6 h 26 min
